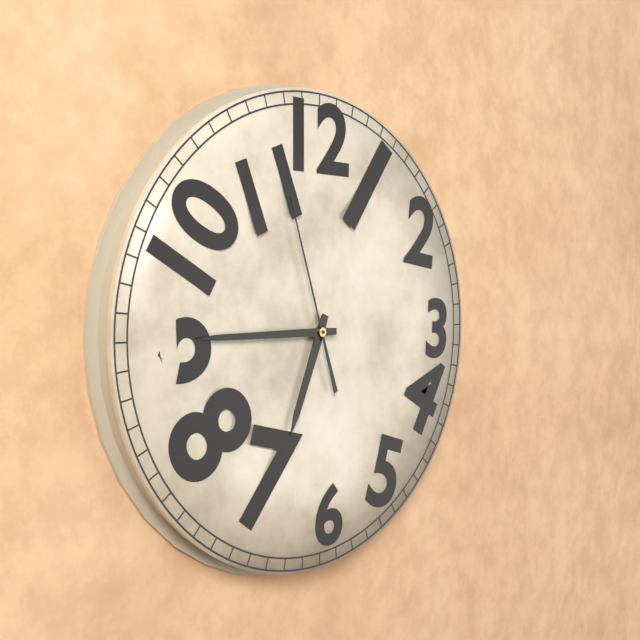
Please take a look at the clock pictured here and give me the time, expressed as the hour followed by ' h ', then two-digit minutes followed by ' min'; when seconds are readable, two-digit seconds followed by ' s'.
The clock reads 6 h 45 min 57 s
